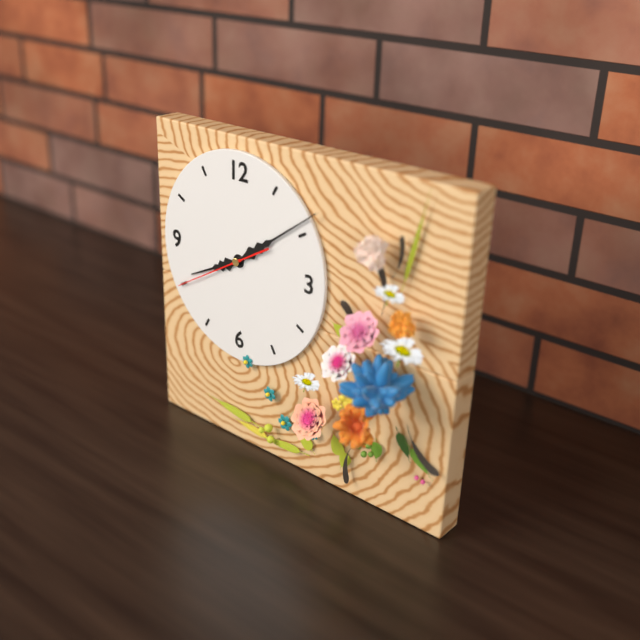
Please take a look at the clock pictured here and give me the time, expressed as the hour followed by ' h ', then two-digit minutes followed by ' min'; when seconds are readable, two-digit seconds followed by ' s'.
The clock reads 8 h 09 min 40 s
